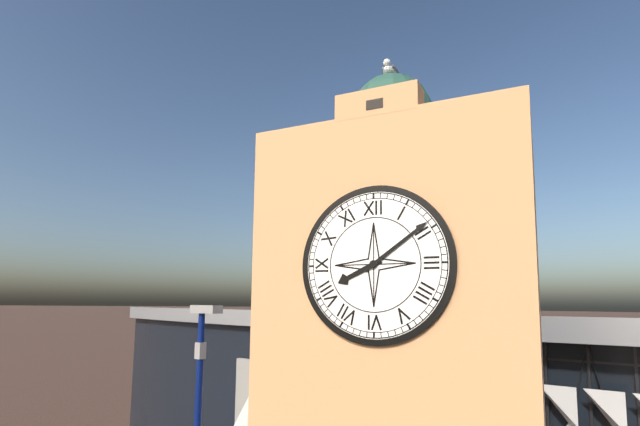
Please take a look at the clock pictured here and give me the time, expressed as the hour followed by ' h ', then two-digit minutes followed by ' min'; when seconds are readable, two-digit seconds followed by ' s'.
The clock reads 8 h 09 min
